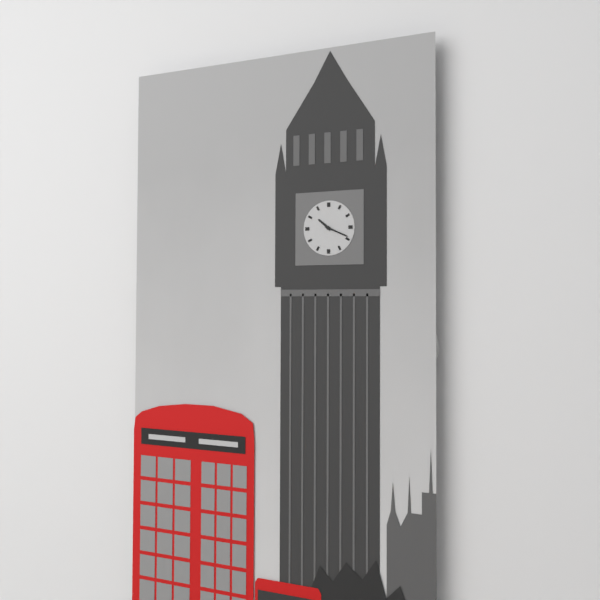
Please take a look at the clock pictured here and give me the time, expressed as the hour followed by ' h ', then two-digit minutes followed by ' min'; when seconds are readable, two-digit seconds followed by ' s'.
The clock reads 10 h 19 min
